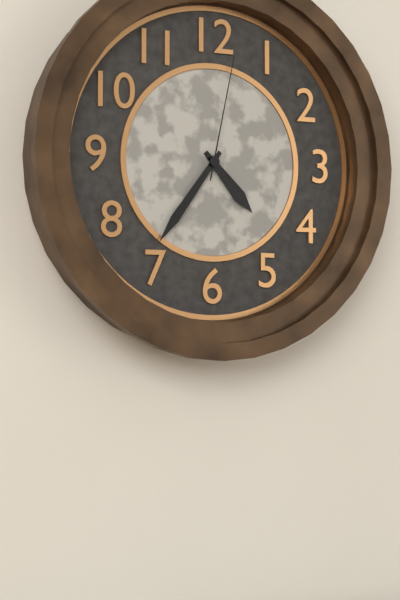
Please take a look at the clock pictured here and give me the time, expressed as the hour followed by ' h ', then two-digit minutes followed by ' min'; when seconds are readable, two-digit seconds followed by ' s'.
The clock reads 4 h 36 min 02 s
